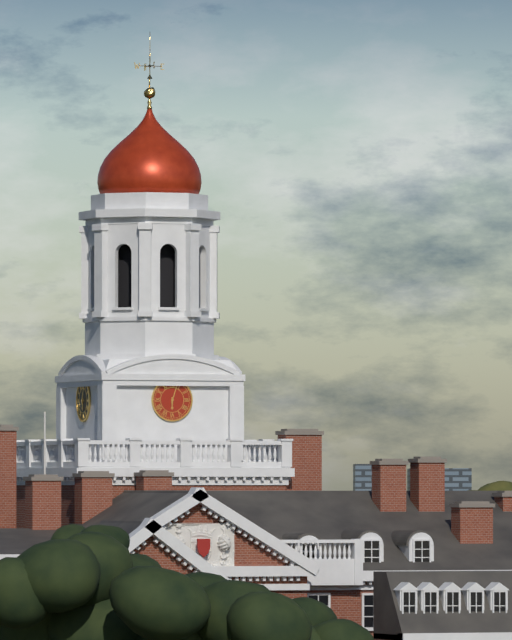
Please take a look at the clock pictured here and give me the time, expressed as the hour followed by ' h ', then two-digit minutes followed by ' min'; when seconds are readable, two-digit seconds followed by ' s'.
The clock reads 6 h 03 min
